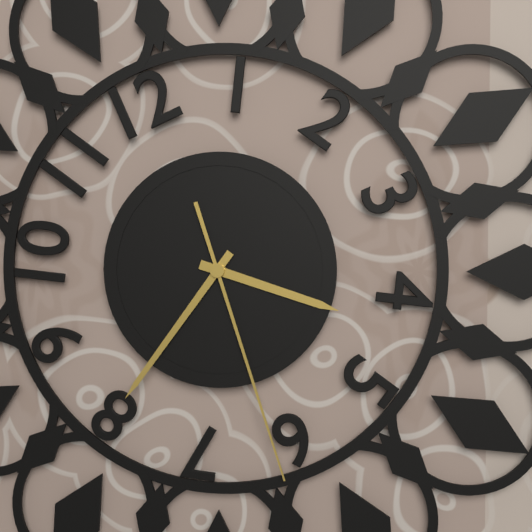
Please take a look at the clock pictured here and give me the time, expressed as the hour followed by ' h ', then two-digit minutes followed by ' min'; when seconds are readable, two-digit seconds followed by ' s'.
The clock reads 3 h 36 min 27 s
